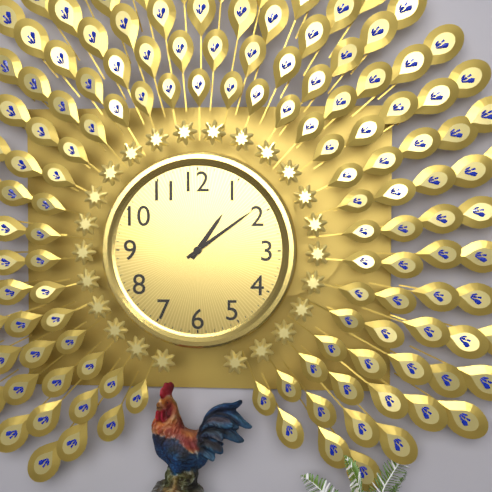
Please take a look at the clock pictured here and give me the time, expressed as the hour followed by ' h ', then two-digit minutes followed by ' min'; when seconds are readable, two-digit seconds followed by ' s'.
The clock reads 1 h 09 min
